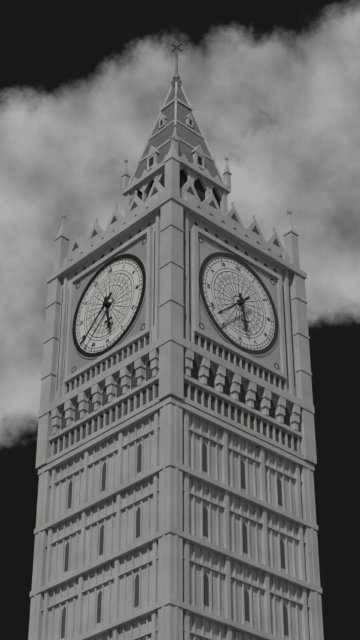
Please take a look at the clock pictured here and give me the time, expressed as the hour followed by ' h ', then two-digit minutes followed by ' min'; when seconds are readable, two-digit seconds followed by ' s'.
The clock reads 5 h 38 min
